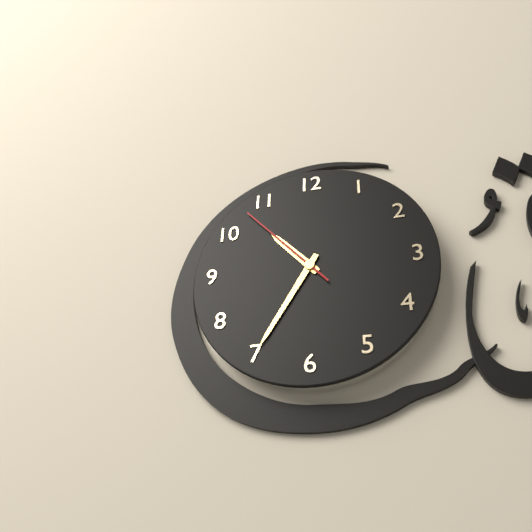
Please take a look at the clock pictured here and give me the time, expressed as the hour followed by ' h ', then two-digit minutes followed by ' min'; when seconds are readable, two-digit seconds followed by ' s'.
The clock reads 10 h 35 min 53 s
